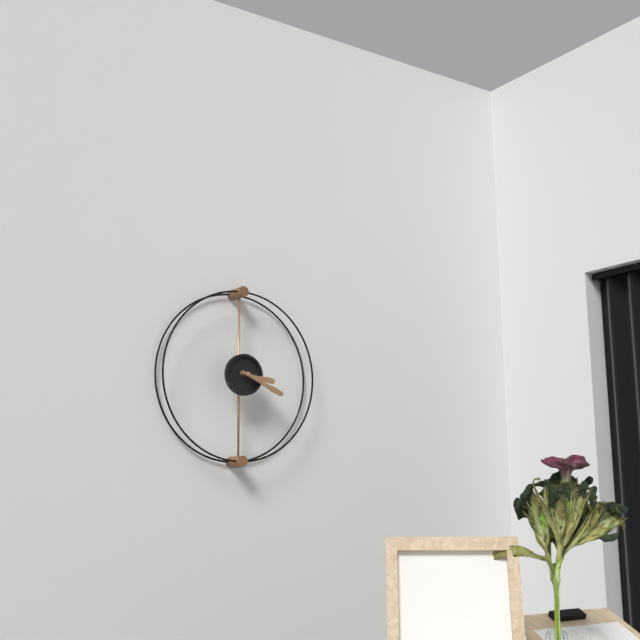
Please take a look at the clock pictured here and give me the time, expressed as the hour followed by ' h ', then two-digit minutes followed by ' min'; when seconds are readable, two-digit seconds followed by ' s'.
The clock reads 3 h 19 min
